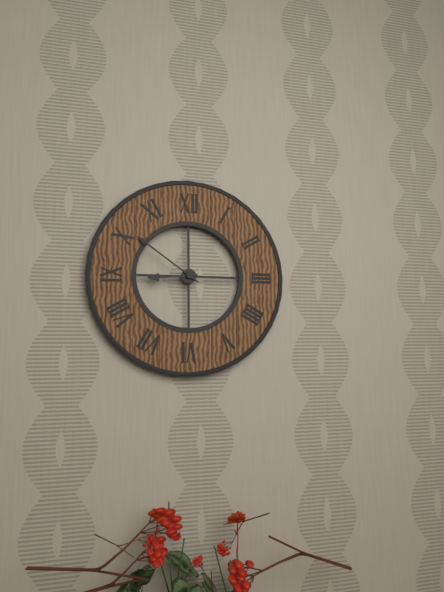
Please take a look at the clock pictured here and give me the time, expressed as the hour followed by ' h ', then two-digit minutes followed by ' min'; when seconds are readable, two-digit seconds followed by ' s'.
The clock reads 8 h 51 min
